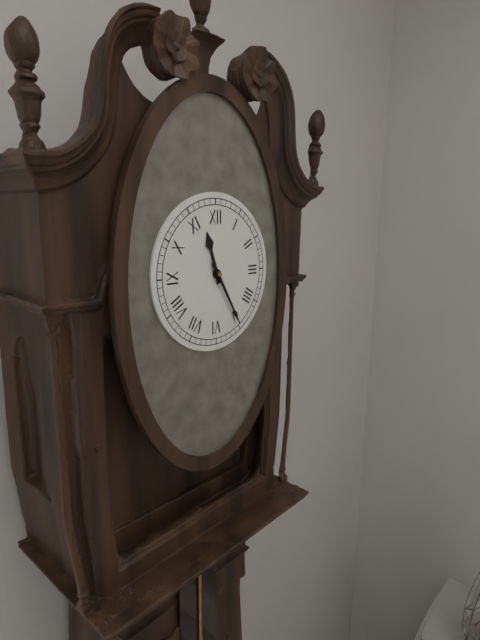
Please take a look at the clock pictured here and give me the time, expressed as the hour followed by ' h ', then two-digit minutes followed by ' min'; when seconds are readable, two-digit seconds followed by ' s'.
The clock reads 11 h 25 min
